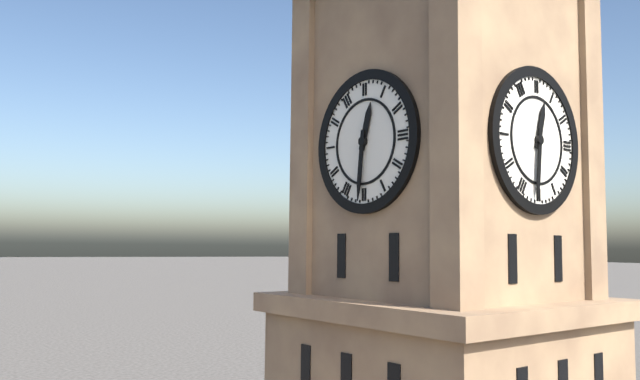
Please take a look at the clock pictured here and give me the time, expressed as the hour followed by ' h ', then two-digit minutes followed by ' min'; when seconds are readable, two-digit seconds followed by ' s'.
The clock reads 12 h 31 min
